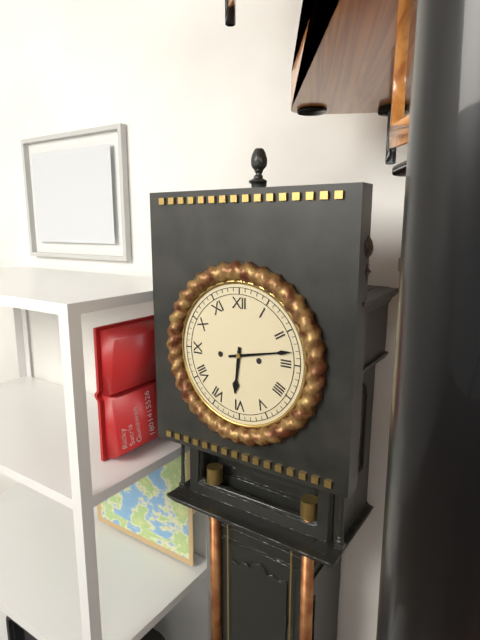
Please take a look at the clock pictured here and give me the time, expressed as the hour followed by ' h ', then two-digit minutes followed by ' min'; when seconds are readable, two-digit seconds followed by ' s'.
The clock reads 6 h 13 min
